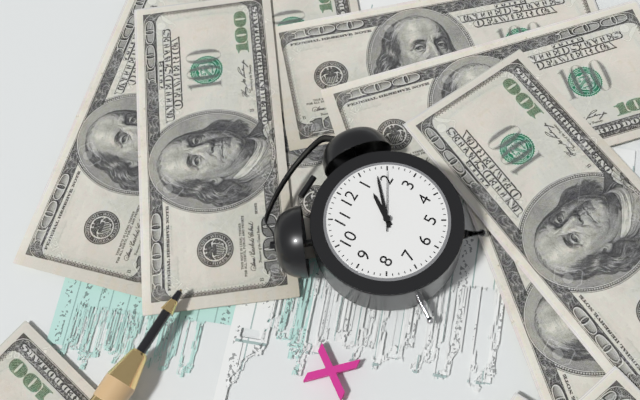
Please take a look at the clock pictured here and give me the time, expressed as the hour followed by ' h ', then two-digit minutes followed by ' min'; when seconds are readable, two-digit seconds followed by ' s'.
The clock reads 1 h 08 min 10 s
